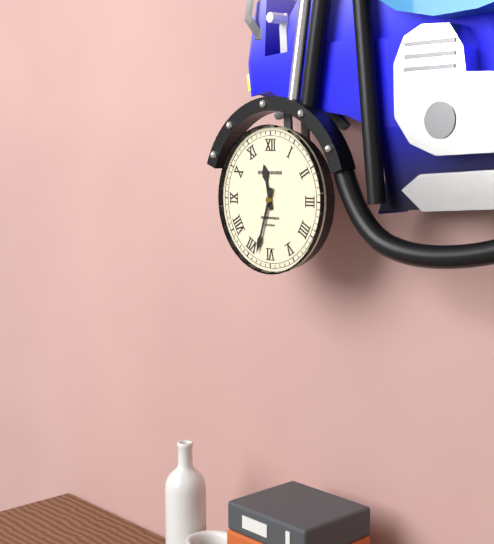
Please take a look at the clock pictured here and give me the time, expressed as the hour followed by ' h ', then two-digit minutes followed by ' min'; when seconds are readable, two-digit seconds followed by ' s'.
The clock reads 11 h 33 min
